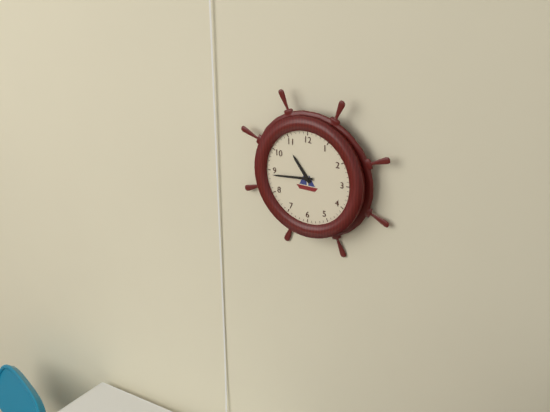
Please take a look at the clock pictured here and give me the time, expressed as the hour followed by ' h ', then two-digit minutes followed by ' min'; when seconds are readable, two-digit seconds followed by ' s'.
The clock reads 10 h 44 min
